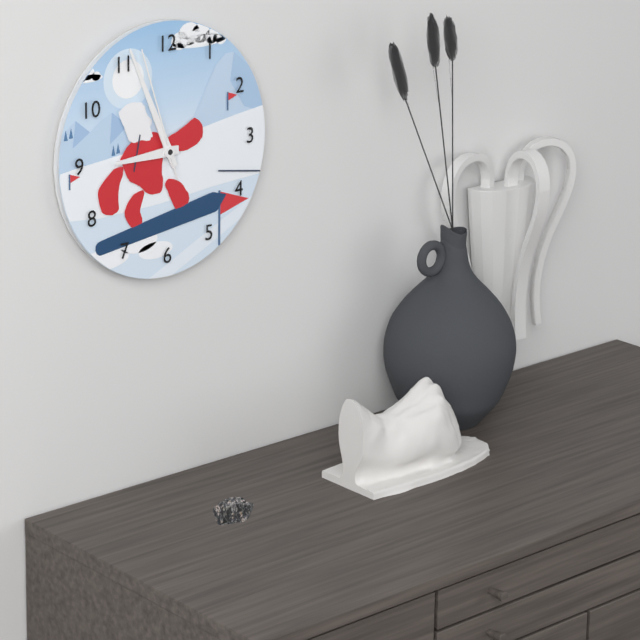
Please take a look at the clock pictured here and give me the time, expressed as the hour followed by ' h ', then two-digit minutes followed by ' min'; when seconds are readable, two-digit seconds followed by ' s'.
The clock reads 8 h 56 min 57 s
